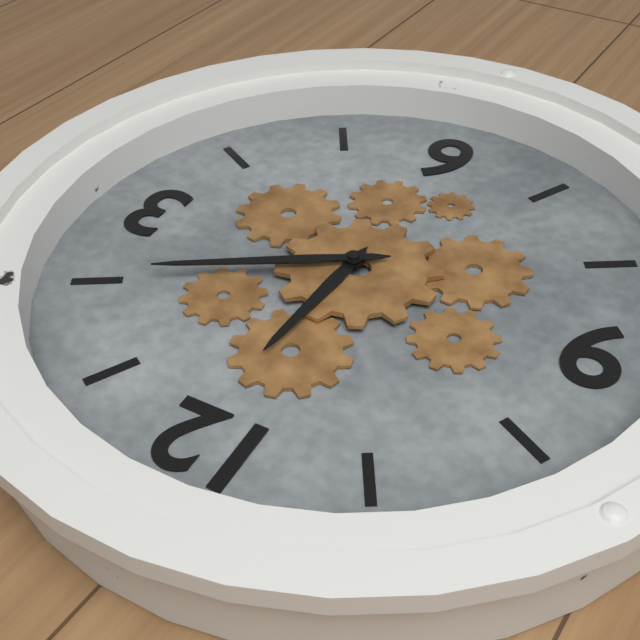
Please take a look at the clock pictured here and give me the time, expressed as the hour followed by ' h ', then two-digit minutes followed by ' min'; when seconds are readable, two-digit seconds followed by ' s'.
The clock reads 12 h 10 min
